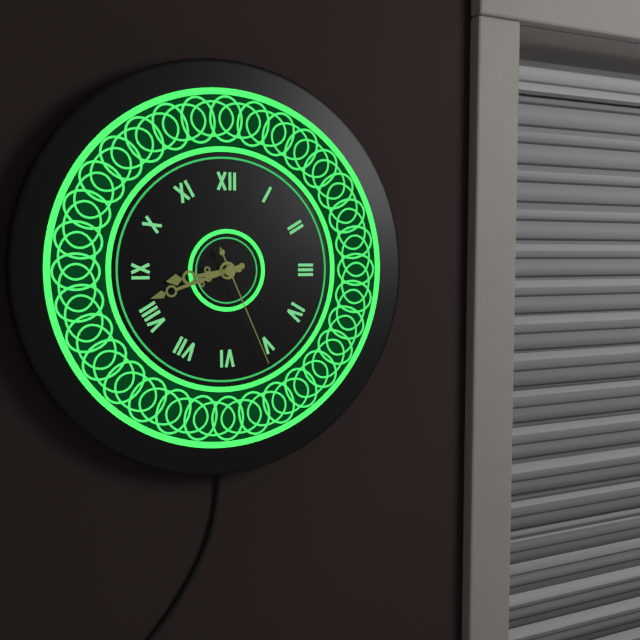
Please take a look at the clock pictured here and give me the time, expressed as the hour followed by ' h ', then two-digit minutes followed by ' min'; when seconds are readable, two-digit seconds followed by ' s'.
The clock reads 8 h 42 min 26 s
